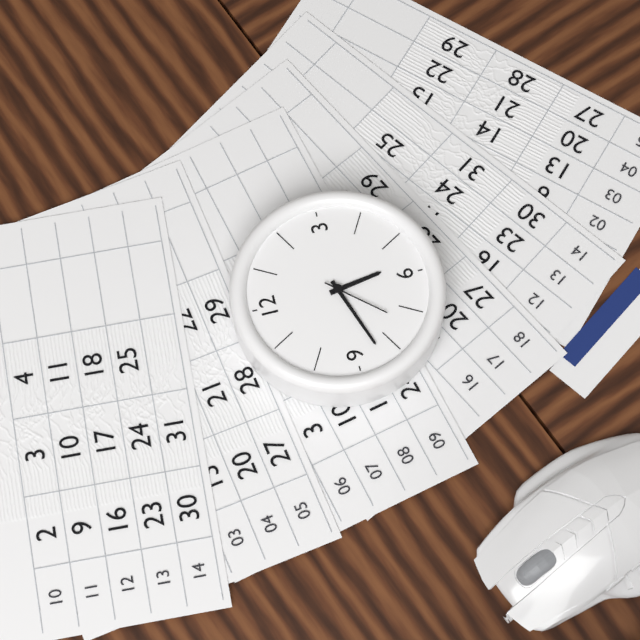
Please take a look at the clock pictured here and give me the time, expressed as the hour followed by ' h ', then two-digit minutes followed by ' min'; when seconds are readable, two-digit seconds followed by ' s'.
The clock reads 5 h 42 min 37 s
